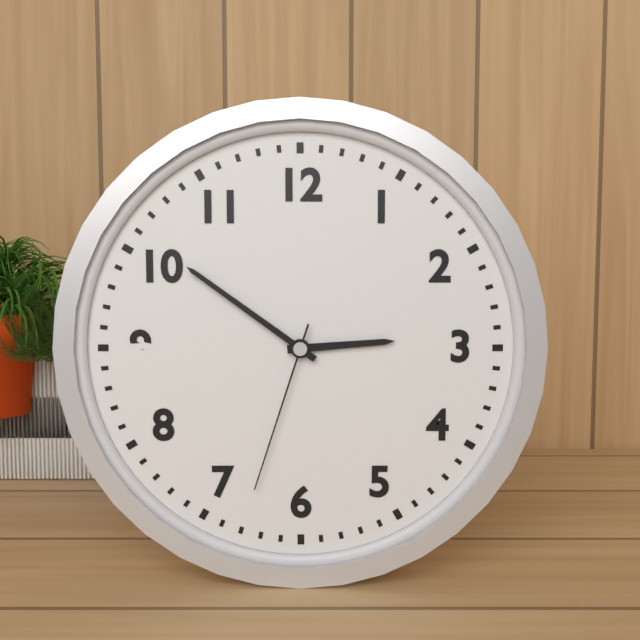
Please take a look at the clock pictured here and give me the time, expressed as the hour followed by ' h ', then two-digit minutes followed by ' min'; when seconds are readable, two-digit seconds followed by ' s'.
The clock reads 2 h 51 min 33 s
